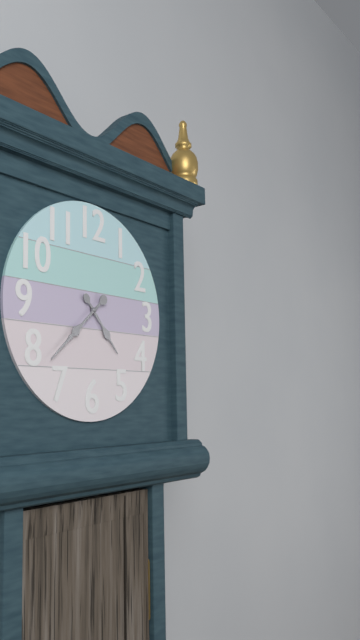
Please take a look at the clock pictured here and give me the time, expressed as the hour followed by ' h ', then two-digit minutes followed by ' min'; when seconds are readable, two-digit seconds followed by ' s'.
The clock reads 4 h 38 min
